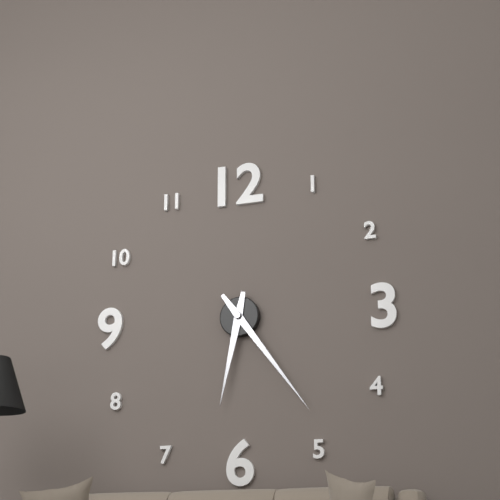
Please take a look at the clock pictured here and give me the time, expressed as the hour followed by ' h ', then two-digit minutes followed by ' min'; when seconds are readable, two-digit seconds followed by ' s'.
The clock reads 6 h 24 min
